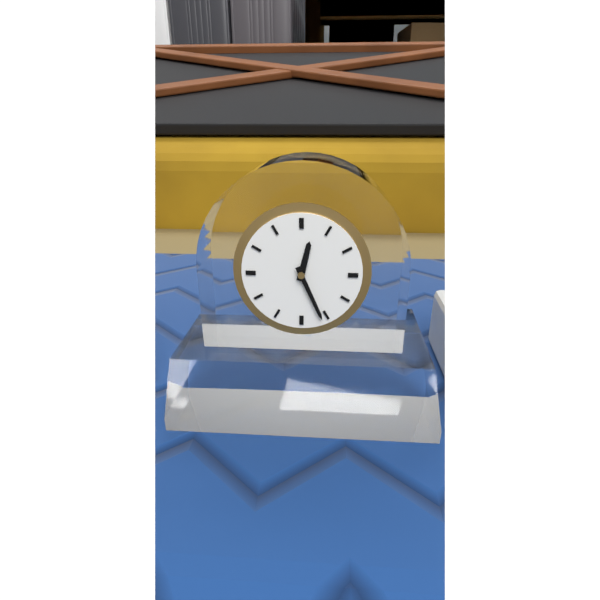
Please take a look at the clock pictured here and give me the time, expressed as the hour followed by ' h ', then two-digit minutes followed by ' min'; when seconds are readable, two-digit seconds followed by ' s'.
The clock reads 12 h 26 min
